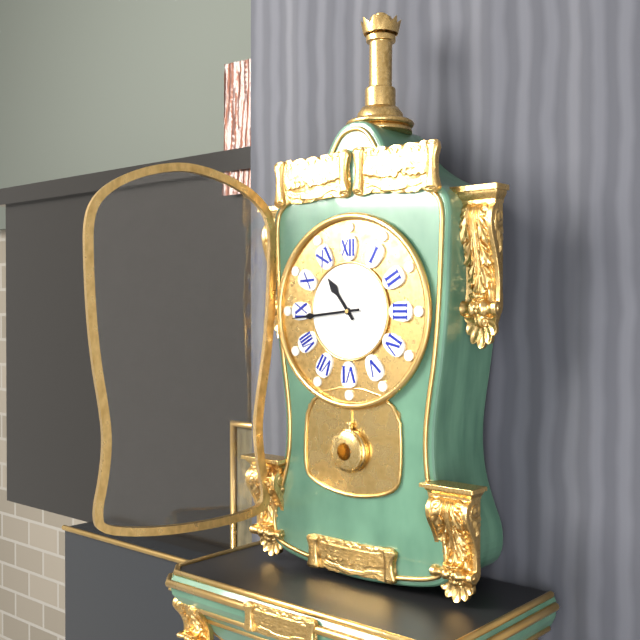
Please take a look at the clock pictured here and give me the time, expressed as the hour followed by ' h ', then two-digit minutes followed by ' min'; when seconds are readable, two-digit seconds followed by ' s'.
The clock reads 10 h 44 min
